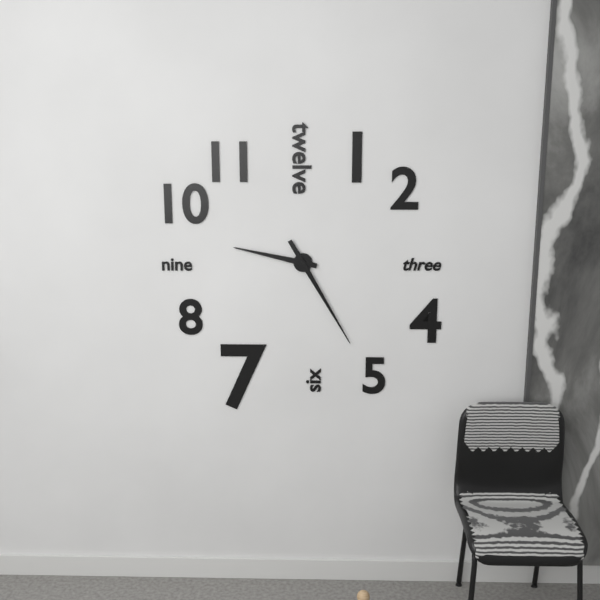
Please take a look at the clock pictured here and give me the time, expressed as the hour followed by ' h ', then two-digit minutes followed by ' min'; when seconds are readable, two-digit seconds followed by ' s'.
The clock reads 9 h 25 min
